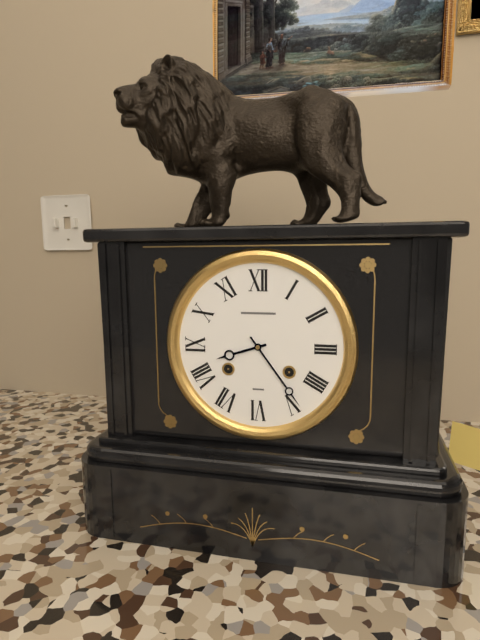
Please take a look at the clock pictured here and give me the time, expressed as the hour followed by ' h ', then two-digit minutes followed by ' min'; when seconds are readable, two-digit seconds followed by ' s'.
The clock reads 8 h 24 min
